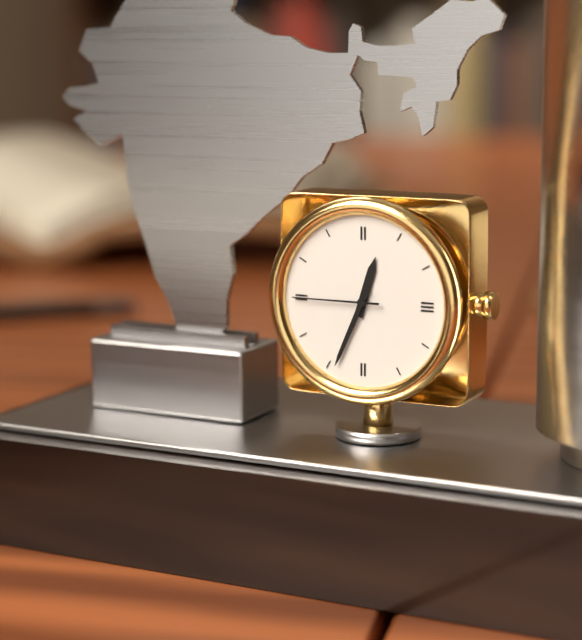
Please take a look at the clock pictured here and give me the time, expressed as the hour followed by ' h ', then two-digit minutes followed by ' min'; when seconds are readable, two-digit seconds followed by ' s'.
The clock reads 12 h 34 min 45 s
